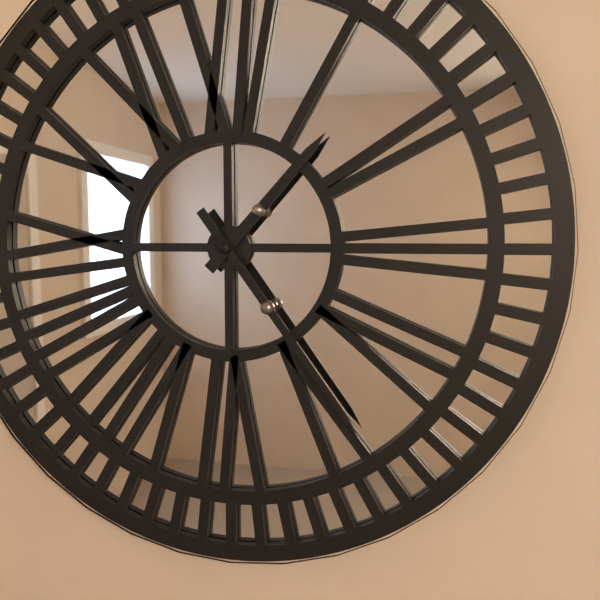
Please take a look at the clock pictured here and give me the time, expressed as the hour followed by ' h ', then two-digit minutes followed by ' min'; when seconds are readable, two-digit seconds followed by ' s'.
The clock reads 1 h 24 min
